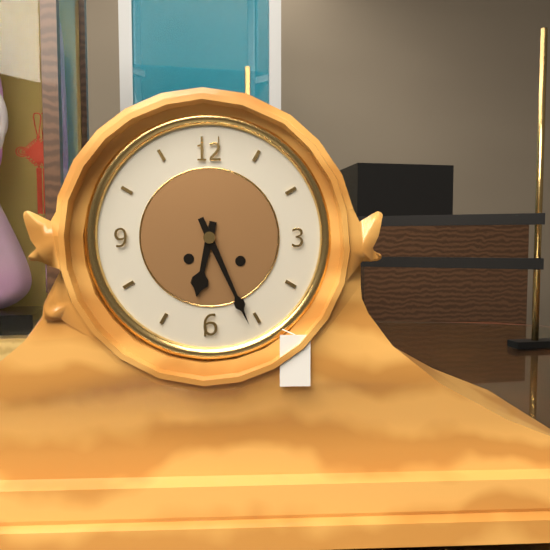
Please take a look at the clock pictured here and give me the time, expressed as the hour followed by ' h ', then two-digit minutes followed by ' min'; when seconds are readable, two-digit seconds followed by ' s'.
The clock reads 6 h 26 min
